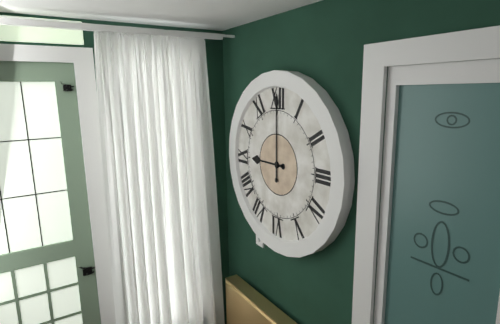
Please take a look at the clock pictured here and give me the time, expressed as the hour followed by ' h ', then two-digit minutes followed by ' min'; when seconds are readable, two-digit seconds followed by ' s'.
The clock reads 9 h 00 min
